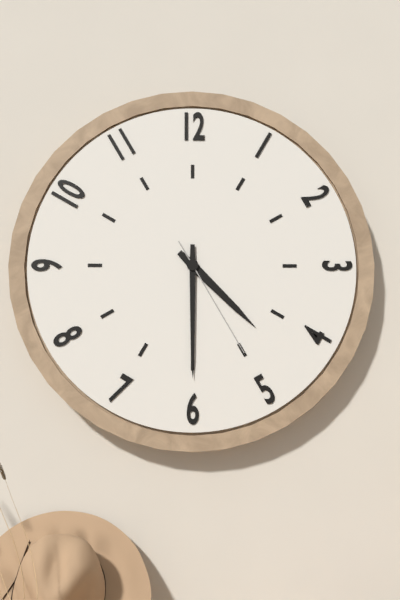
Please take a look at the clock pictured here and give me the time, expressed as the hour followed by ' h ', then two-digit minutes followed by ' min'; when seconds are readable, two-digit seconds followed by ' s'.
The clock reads 4 h 30 min 25 s
